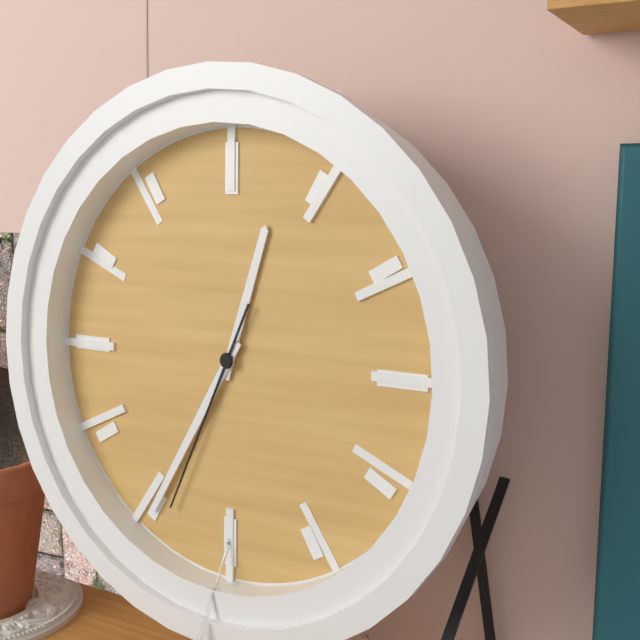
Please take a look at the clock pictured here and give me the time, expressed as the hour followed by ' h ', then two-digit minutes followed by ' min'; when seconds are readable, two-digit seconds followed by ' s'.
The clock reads 12 h 35 min 34 s
